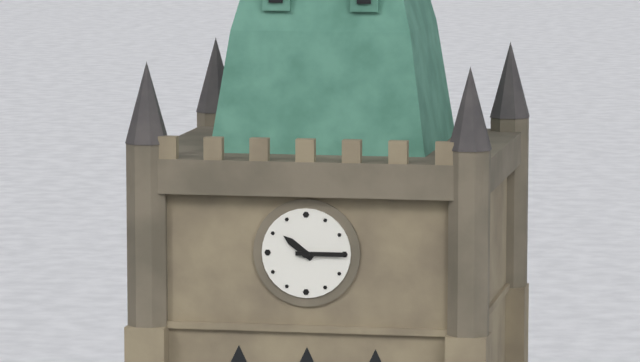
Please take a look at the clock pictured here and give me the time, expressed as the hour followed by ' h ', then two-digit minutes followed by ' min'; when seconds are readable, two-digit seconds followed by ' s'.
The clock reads 10 h 15 min
